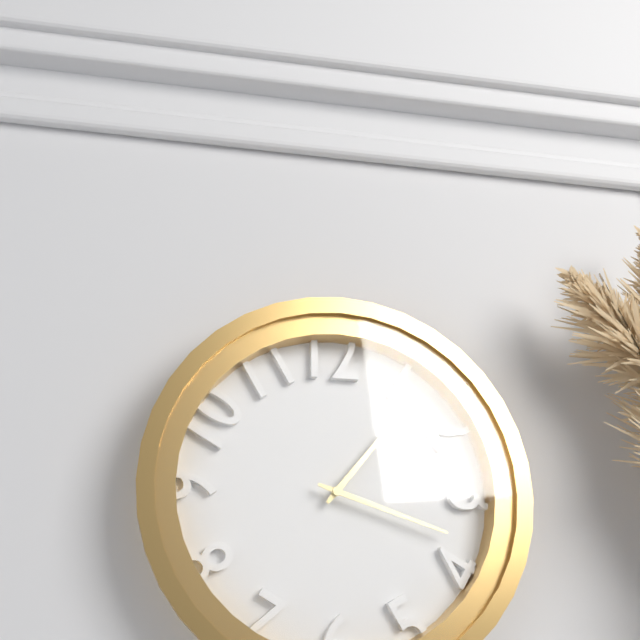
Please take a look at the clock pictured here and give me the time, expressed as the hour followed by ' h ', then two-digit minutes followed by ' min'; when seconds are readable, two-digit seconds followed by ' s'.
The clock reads 1 h 18 min
